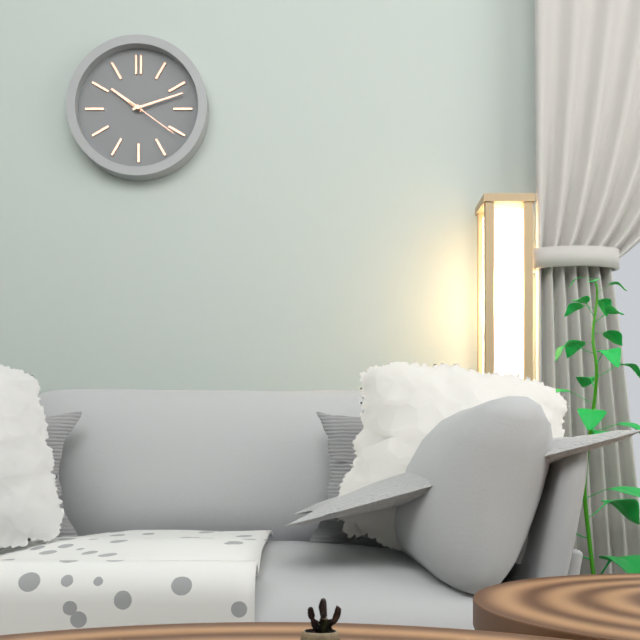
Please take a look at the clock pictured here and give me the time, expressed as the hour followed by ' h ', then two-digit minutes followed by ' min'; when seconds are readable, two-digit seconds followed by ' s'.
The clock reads 10 h 12 min
